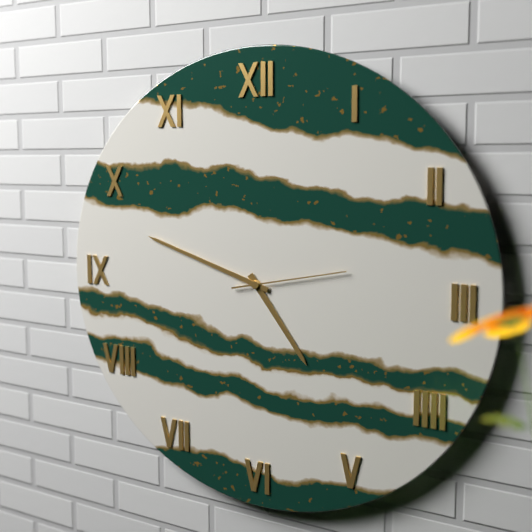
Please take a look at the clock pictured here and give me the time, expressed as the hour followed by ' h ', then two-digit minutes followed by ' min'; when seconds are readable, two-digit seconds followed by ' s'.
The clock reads 4 h 48 min 13 s
